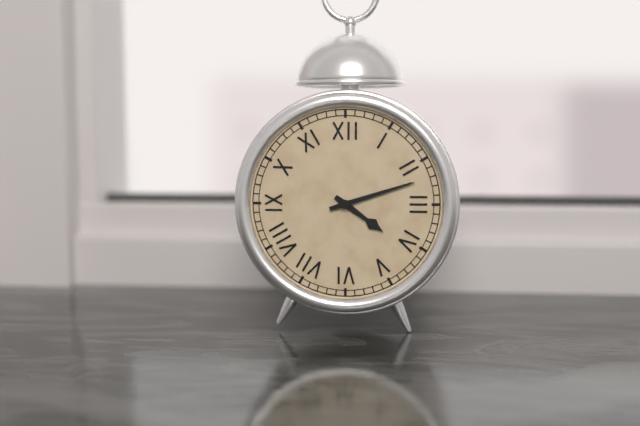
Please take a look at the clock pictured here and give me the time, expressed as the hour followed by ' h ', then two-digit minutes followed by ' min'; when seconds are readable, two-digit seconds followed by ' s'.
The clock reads 4 h 12 min
